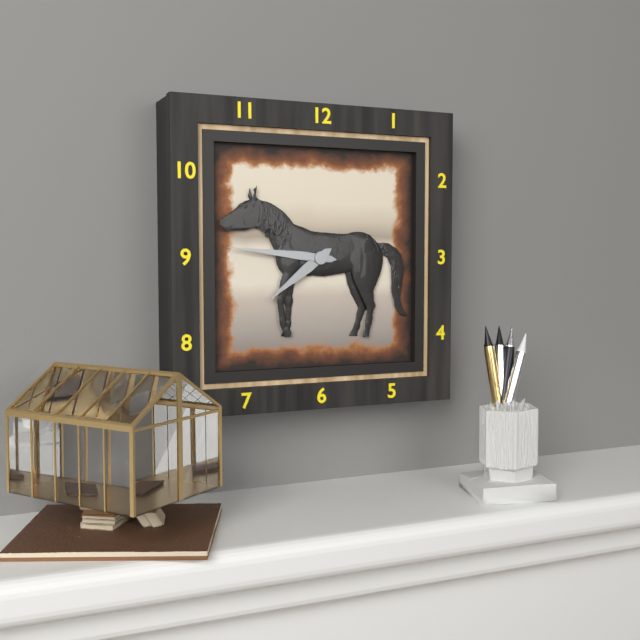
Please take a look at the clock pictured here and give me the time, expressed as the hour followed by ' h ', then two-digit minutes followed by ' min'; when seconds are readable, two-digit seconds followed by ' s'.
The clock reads 7 h 46 min
